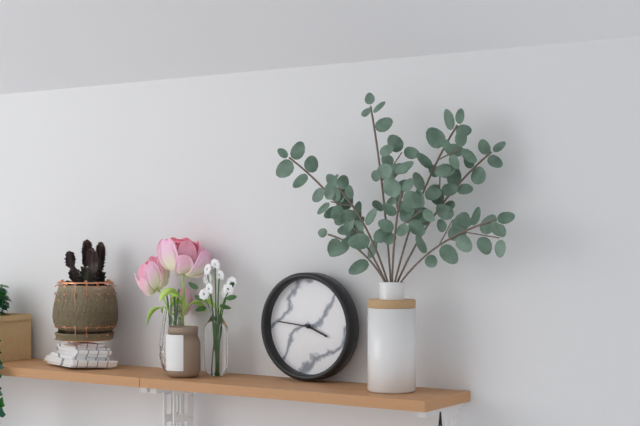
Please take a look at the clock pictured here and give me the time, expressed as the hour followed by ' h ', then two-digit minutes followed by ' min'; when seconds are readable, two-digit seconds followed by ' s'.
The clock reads 3 h 46 min
